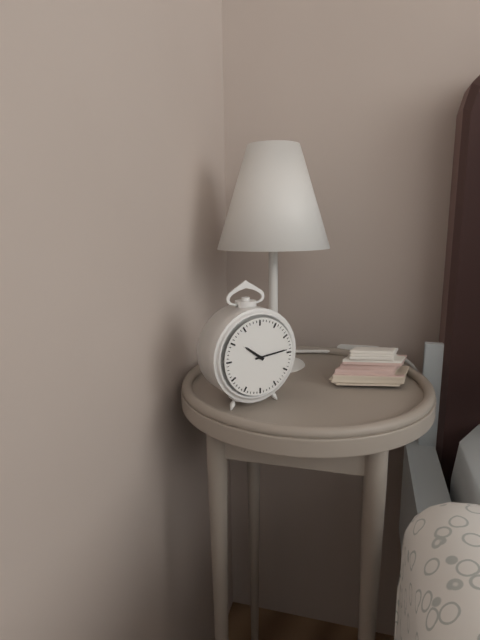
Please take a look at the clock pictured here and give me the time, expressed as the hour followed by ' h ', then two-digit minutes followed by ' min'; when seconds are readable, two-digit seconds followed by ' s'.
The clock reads 10 h 14 min
